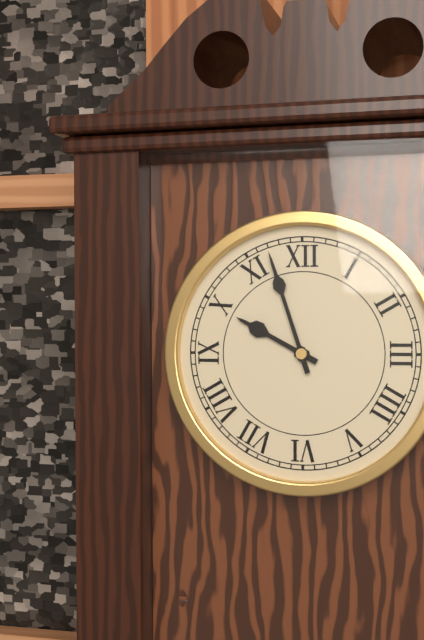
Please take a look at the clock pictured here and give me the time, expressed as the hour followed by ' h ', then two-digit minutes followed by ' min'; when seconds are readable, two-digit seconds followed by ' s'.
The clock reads 9 h 57 min
